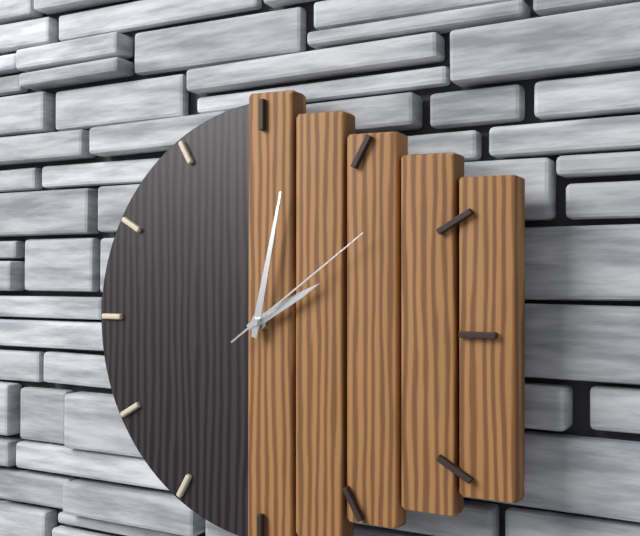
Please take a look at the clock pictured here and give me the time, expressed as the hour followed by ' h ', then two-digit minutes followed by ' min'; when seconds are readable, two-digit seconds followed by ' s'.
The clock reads 2 h 02 min 09 s
